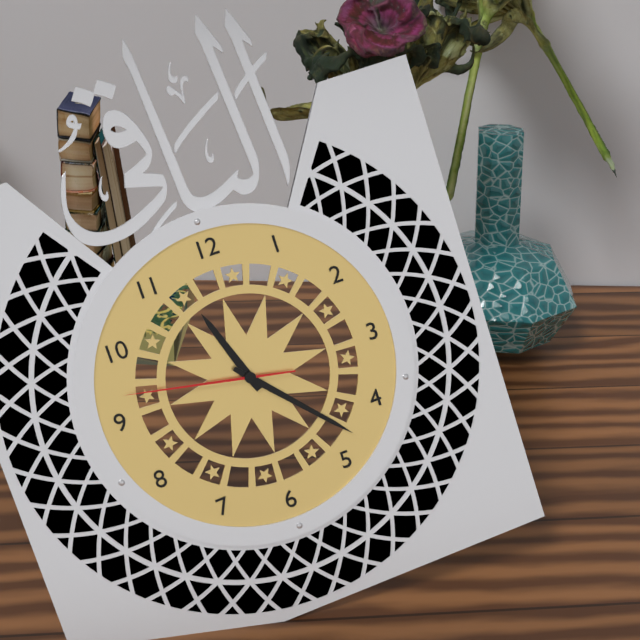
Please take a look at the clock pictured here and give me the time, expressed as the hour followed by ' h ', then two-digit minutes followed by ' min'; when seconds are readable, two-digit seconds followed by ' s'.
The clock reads 11 h 23 min 47 s
